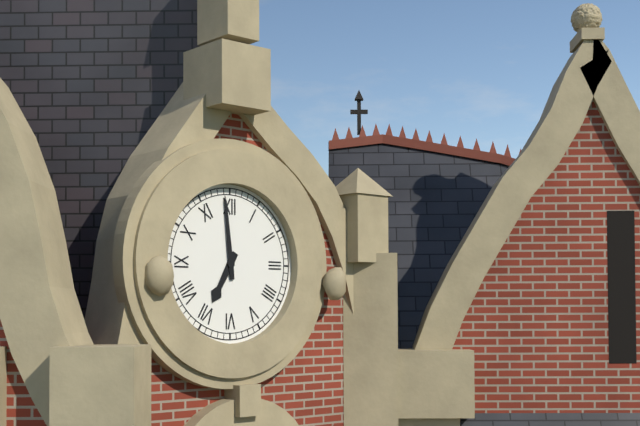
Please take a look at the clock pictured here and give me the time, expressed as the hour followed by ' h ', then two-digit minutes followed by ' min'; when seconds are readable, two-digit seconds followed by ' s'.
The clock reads 6 h 59 min
